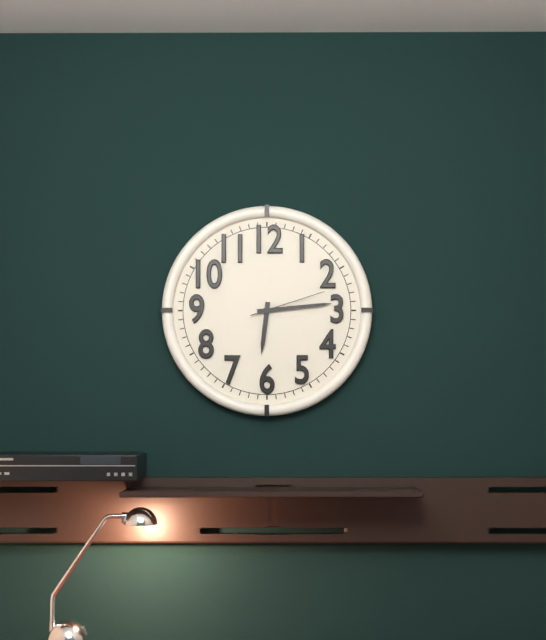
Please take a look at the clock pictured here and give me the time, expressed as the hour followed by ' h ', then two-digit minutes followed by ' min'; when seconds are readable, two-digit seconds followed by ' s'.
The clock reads 6 h 14 min 12 s
